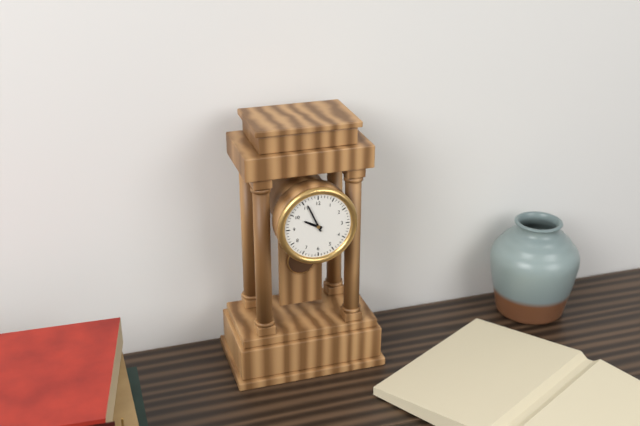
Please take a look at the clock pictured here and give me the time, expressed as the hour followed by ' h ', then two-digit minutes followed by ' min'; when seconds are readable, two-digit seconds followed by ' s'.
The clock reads 9 h 56 min
